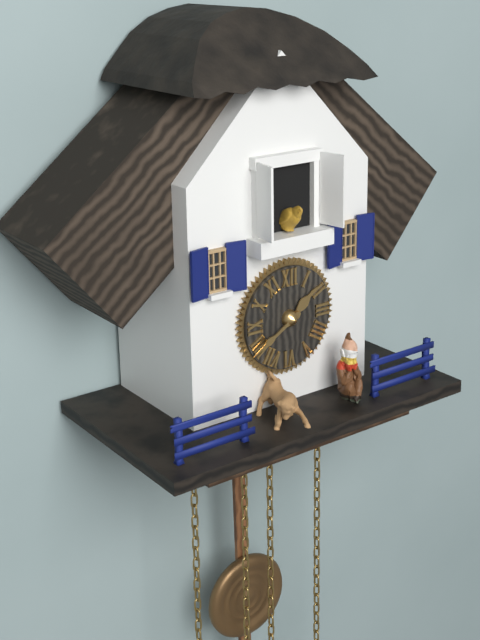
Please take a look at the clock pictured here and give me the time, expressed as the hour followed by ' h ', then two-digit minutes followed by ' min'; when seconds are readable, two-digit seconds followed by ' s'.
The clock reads 1 h 40 min
